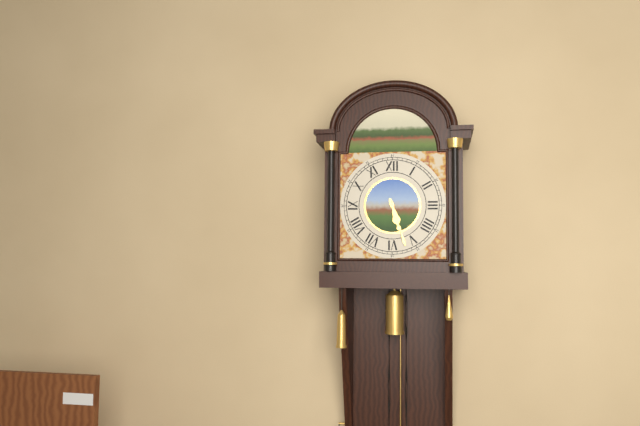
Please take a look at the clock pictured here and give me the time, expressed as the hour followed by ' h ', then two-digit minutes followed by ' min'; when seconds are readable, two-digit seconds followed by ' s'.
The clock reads 5 h 27 min
